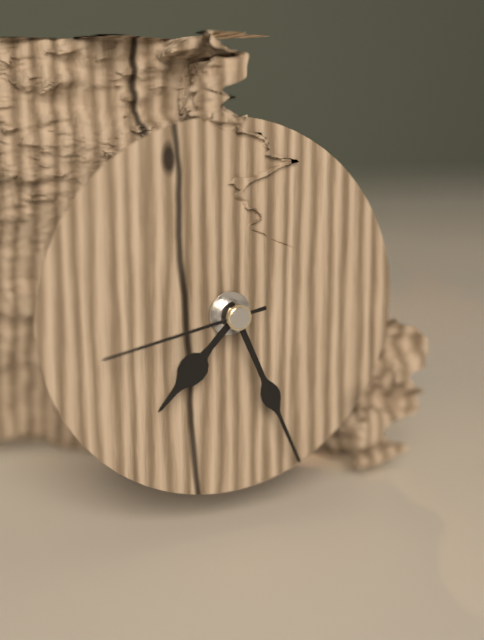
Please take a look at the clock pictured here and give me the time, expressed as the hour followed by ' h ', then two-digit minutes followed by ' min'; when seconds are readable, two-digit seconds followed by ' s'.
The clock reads 7 h 26 min 43 s
